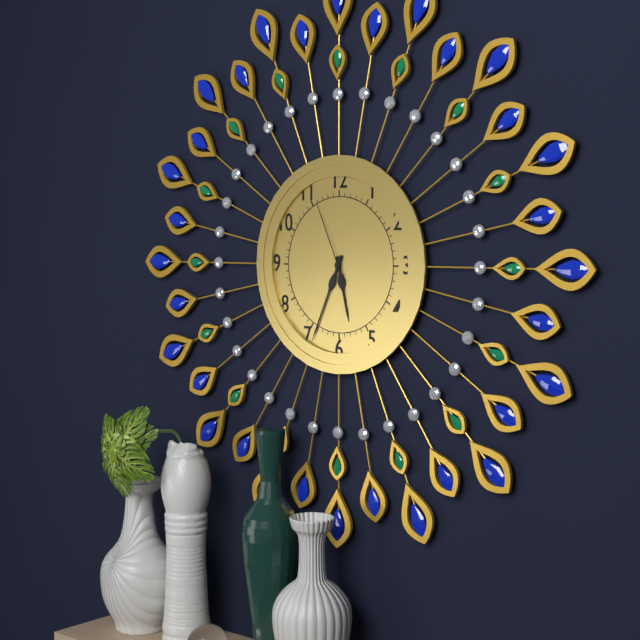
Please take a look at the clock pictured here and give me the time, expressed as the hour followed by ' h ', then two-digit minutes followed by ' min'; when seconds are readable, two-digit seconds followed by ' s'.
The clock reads 5 h 34 min 56 s
